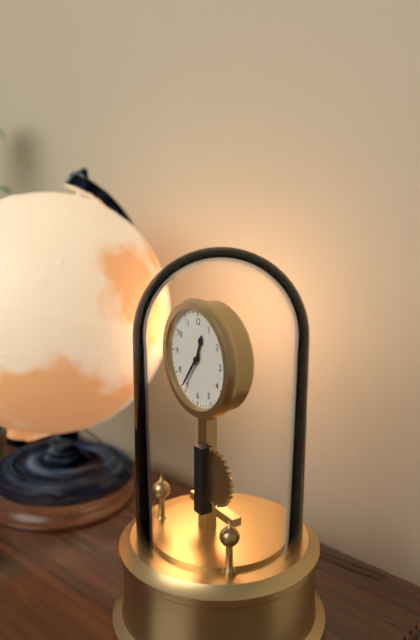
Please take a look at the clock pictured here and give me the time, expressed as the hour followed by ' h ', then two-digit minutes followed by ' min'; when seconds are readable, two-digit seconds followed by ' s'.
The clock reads 12 h 36 min
